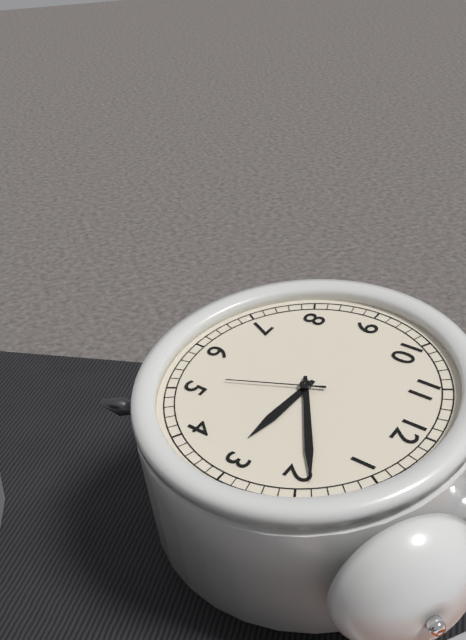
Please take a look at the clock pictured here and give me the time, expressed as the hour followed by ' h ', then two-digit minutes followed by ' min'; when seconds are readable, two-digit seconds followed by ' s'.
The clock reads 3 h 09 min 26 s
